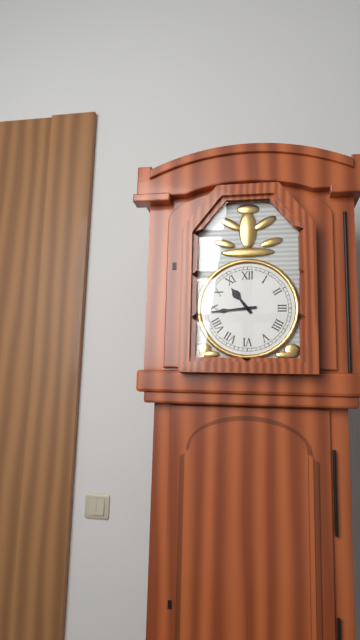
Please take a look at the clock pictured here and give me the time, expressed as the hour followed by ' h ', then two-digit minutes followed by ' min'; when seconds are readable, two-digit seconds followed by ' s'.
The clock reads 10 h 44 min
